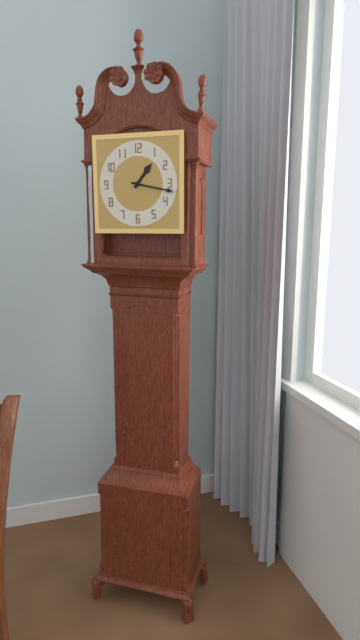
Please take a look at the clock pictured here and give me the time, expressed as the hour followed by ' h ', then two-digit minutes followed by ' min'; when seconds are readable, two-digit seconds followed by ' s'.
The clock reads 1 h 17 min
